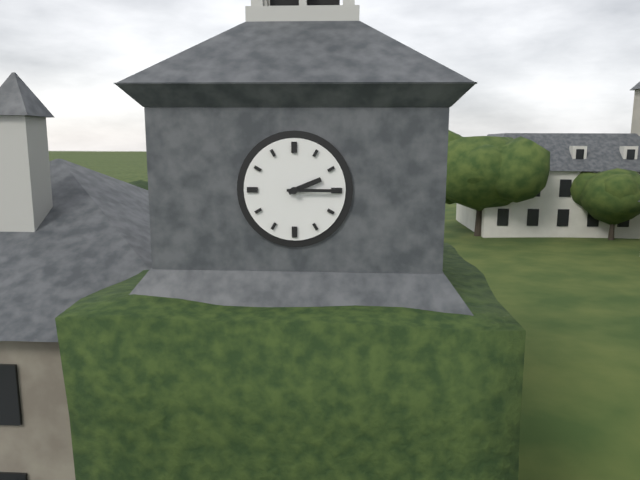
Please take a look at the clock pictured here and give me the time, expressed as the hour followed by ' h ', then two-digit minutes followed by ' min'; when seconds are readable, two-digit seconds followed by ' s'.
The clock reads 2 h 15 min
